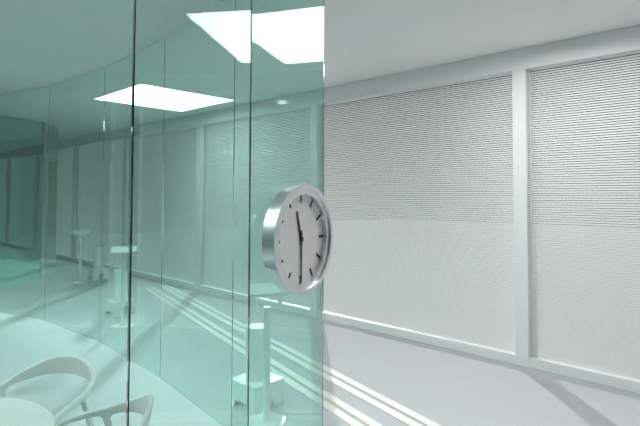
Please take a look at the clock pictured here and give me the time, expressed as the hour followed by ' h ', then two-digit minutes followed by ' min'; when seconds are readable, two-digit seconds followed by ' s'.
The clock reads 11 h 30 min
